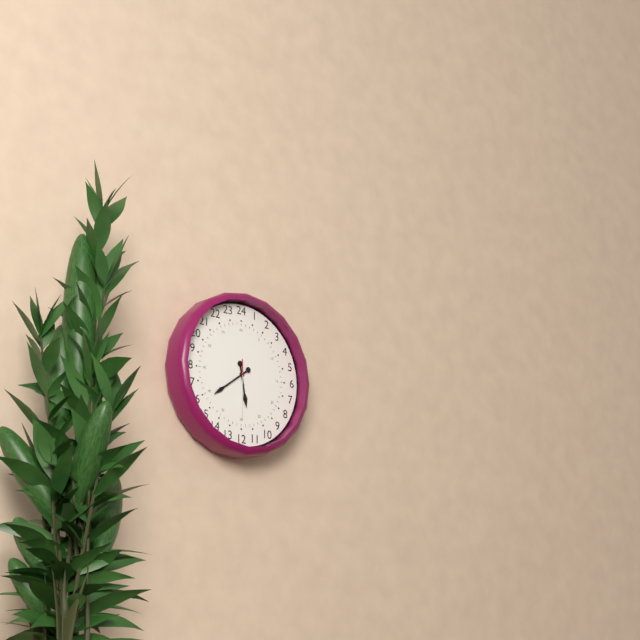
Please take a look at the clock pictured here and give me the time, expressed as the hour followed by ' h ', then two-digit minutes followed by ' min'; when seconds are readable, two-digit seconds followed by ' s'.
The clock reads 5 h 39 min 30 s
